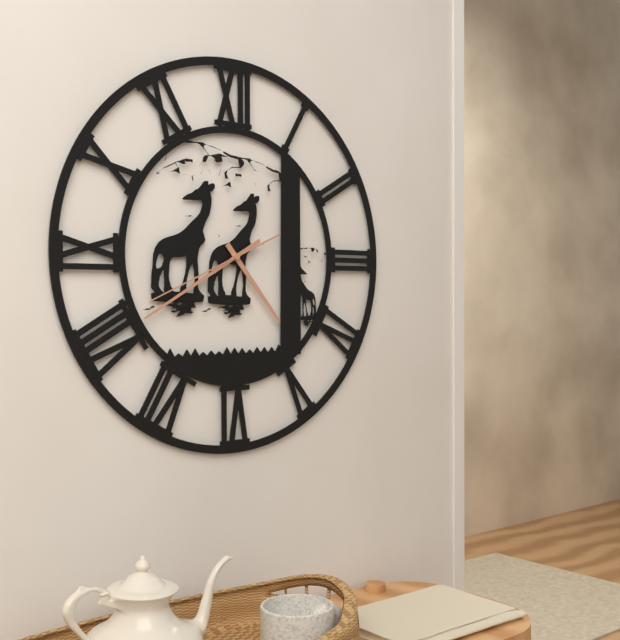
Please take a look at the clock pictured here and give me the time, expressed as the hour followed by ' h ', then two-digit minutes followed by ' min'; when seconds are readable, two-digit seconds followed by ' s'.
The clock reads 4 h 40 min 41 s
